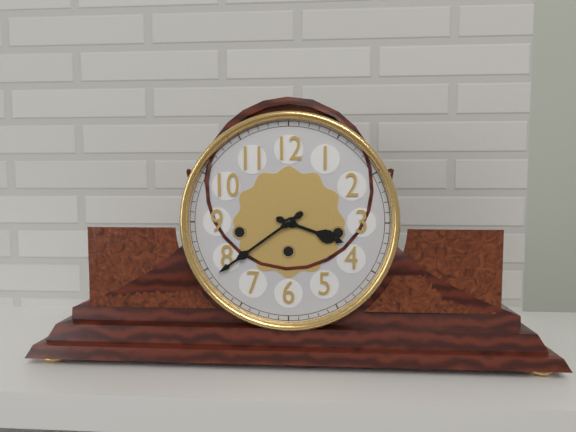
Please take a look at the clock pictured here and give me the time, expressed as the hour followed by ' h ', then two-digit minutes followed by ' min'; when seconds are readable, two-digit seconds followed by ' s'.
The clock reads 3 h 39 min
